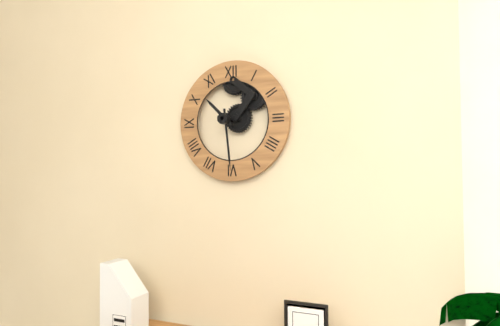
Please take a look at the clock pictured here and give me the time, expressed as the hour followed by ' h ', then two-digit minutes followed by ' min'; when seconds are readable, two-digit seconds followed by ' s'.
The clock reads 10 h 29 min
